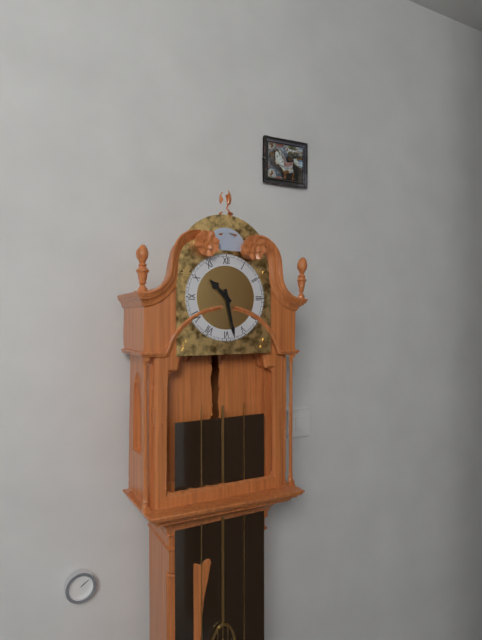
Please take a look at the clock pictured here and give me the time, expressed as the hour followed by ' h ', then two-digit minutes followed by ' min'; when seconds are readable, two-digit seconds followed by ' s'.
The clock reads 10 h 28 min
